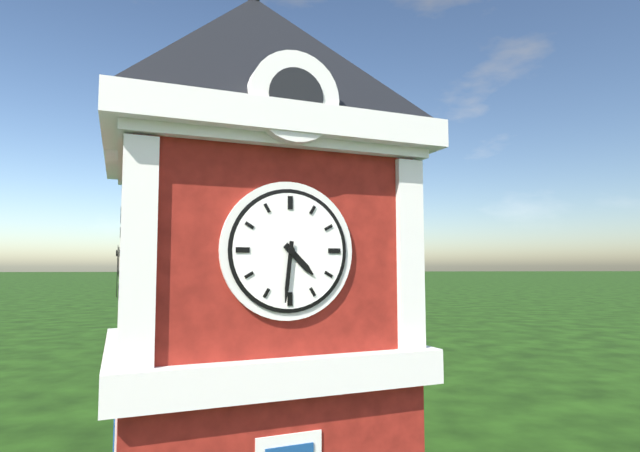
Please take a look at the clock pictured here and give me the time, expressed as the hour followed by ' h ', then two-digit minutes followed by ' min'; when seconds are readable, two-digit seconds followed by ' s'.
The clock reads 4 h 31 min
